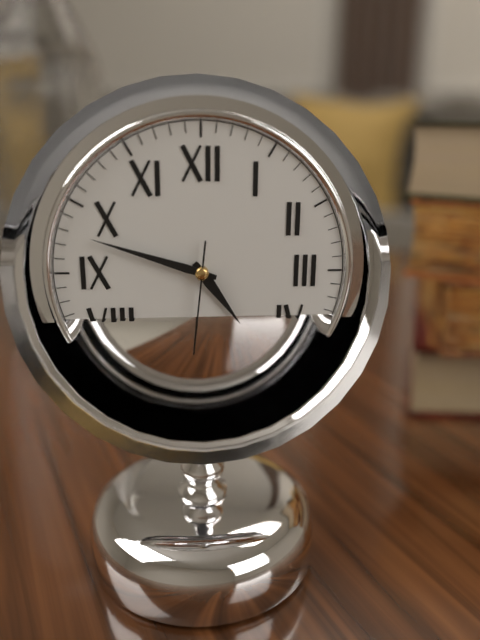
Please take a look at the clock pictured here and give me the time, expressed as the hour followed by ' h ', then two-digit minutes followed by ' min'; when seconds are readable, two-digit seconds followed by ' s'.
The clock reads 4 h 48 min
